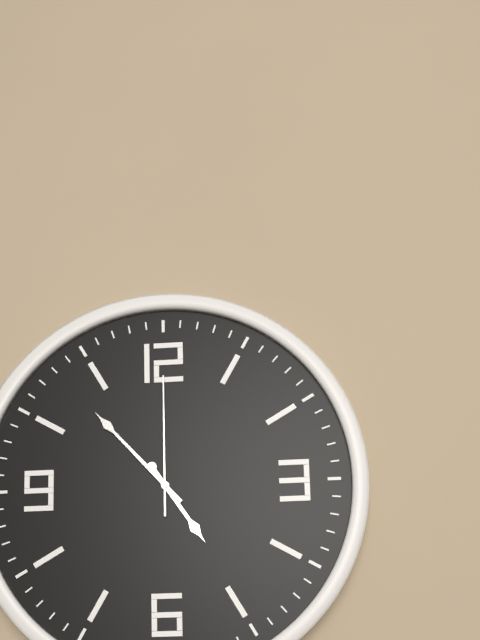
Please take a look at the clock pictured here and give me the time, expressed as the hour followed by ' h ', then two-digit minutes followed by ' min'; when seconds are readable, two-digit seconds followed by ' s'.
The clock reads 4 h 53 min 00 s
